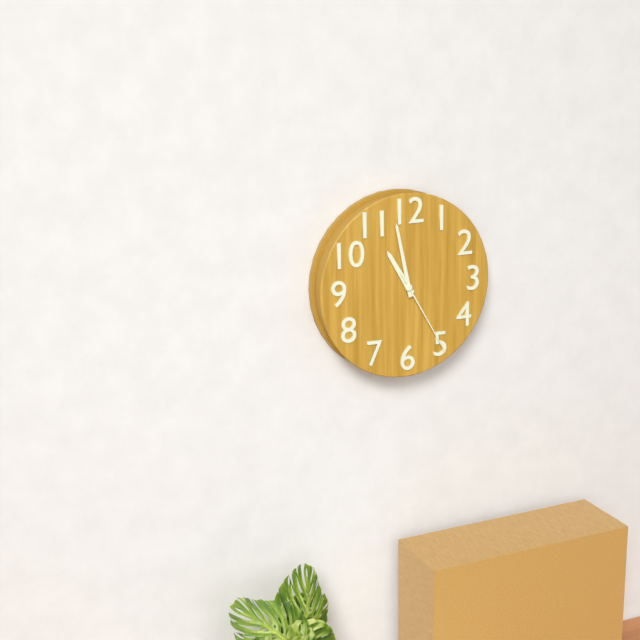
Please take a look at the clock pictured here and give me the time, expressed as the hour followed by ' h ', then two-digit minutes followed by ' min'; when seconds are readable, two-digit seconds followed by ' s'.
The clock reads 10 h 58 min 25 s
